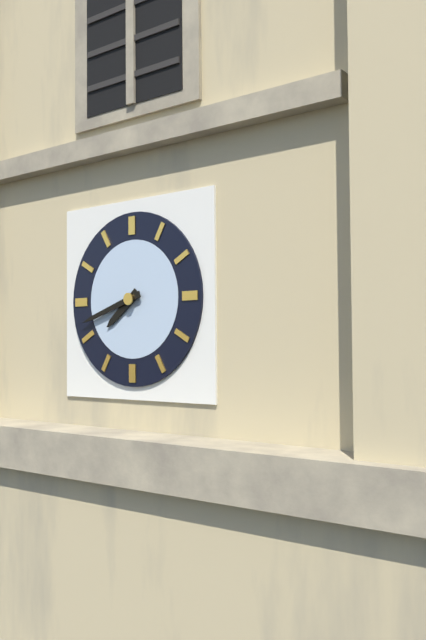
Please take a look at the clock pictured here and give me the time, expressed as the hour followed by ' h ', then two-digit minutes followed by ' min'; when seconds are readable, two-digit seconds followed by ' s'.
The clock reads 7 h 42 min
